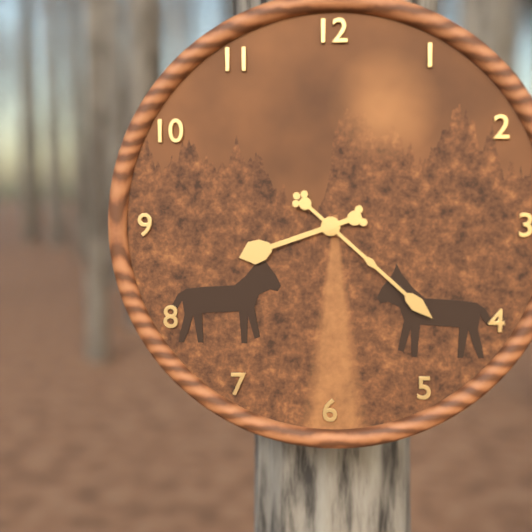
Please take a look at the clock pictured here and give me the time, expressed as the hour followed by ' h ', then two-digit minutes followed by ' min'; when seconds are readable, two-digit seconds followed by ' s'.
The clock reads 8 h 22 min
